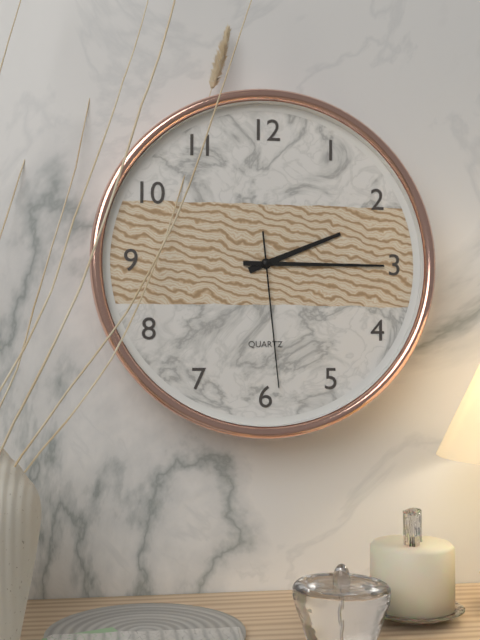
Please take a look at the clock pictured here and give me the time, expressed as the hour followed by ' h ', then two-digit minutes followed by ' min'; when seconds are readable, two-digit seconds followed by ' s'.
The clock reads 2 h 15 min 29 s
